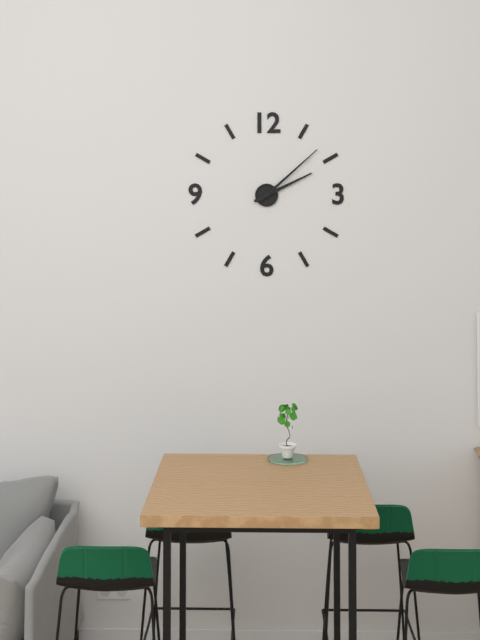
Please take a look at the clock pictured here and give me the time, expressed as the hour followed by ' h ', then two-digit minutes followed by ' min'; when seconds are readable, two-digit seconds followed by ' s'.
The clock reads 2 h 08 min
